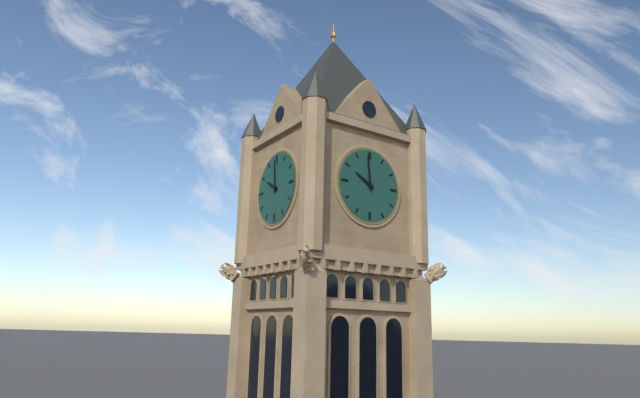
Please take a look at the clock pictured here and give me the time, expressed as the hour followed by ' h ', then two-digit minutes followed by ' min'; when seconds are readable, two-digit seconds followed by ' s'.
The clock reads 9 h 59 min
